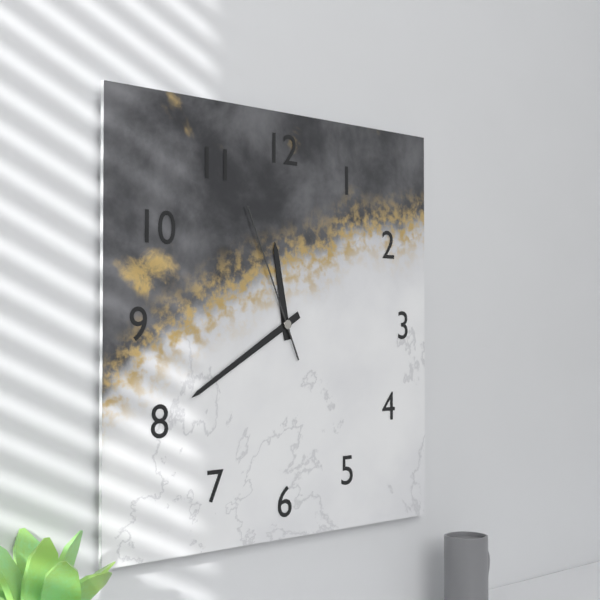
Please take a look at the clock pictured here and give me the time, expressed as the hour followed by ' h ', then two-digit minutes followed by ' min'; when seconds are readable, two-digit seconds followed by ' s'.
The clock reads 11 h 40 min 56 s
